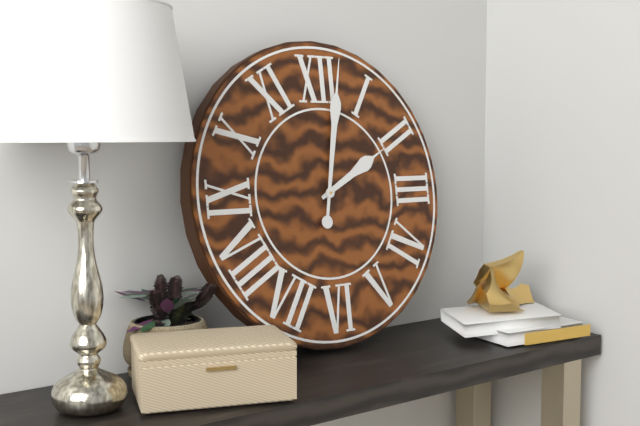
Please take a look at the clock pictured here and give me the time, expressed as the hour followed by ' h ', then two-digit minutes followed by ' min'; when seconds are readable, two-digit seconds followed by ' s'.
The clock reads 2 h 02 min
